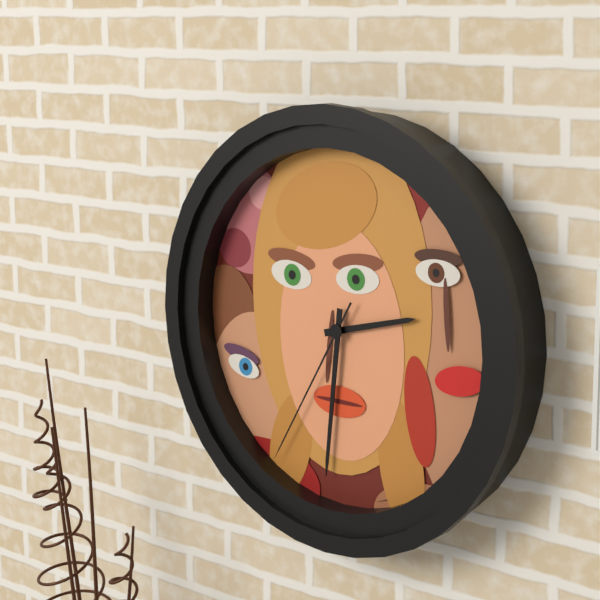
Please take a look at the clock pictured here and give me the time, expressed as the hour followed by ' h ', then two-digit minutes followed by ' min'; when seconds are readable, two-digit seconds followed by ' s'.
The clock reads 2 h 31 min 35 s
